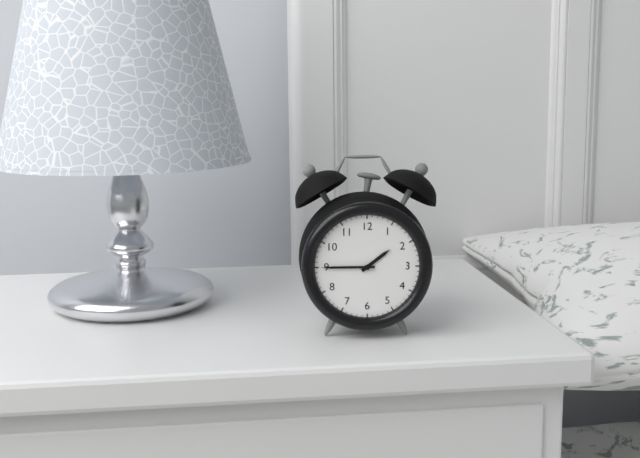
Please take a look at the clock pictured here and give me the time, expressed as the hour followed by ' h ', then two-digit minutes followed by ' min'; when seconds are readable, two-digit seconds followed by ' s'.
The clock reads 1 h 45 min
